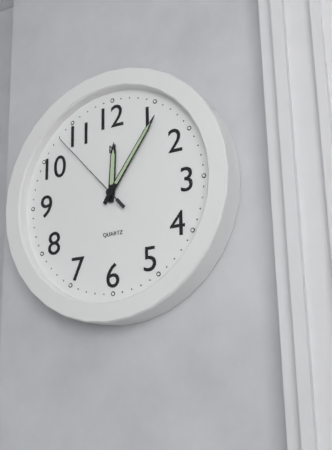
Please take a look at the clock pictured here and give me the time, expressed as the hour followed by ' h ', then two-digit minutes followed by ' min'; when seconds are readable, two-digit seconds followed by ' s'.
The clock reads 12 h 06 min 53 s
